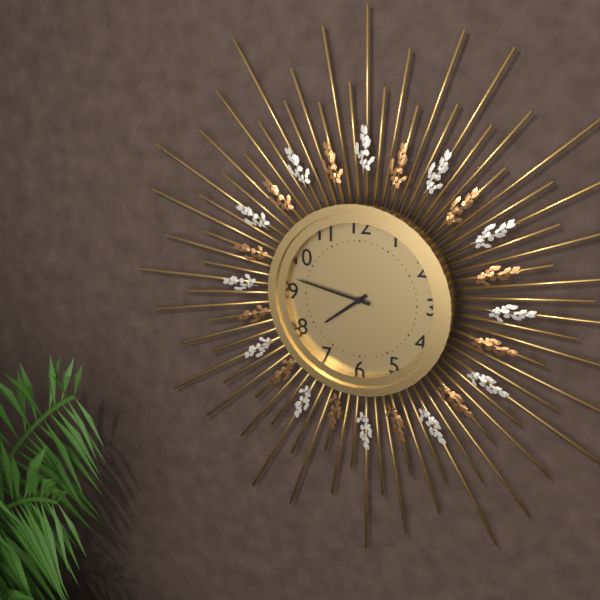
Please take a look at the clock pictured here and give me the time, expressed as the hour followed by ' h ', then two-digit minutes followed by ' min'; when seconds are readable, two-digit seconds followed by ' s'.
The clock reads 7 h 47 min
